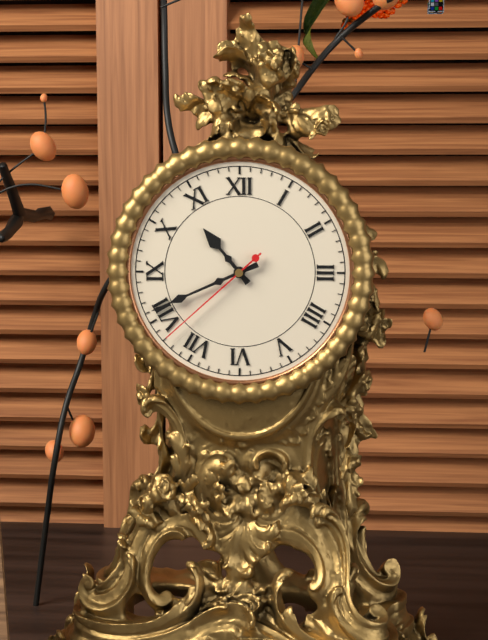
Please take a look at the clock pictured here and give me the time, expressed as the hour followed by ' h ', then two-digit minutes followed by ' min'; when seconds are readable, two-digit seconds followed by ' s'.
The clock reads 10 h 41 min 38 s
